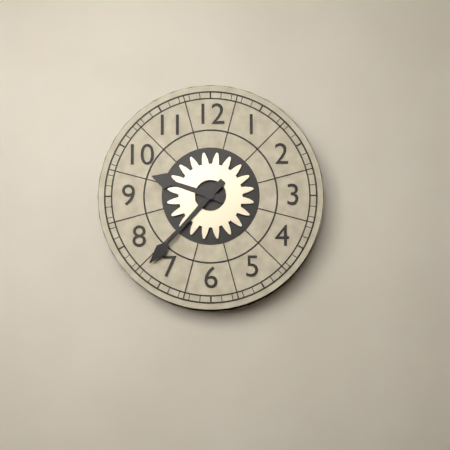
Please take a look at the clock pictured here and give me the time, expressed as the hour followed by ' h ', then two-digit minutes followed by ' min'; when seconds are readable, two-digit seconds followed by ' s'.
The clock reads 9 h 37 min
